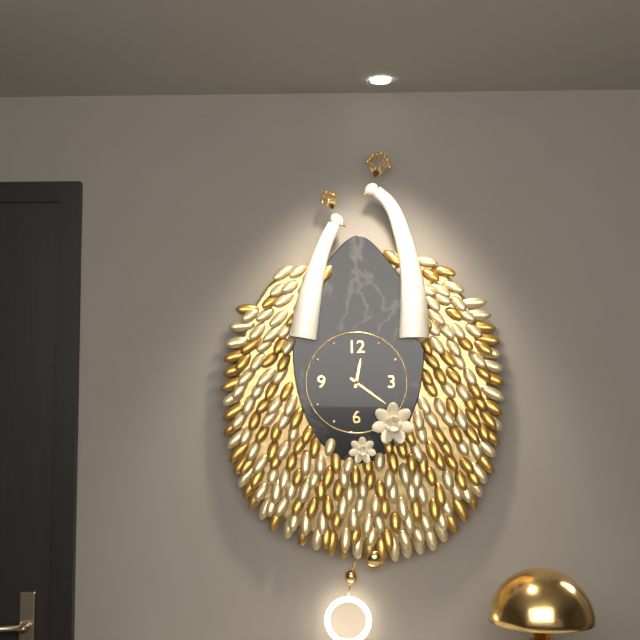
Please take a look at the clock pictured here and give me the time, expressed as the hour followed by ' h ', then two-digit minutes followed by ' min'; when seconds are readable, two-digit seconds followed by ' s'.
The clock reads 12 h 21 min
